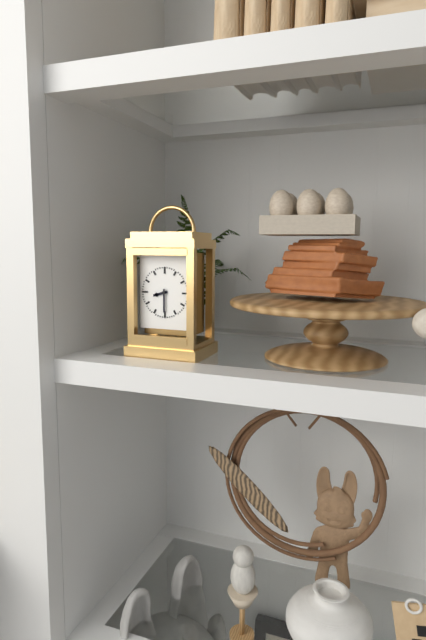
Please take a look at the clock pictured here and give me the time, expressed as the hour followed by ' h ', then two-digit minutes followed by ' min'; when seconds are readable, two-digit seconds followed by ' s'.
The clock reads 8 h 30 min
